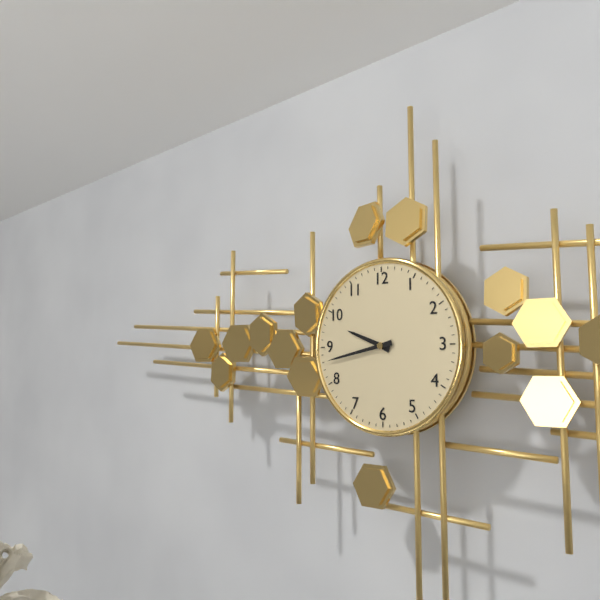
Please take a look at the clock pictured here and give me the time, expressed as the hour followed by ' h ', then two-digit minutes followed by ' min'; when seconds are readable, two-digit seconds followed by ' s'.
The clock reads 9 h 43 min
